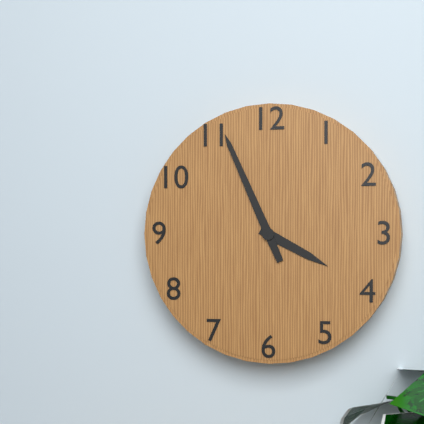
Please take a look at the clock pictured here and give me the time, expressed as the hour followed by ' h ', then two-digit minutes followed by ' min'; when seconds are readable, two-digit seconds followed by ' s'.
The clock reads 3 h 56 min
